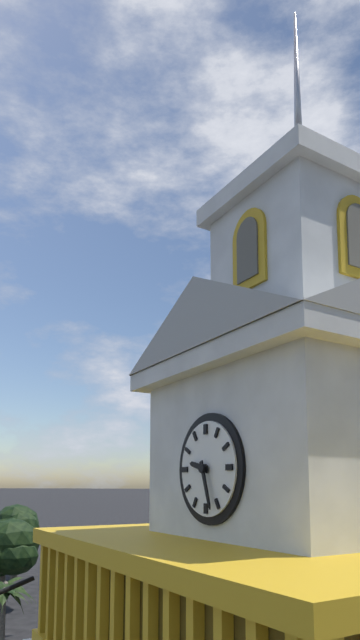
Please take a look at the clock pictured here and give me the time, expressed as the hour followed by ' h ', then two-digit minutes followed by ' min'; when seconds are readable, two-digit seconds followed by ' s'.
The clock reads 9 h 27 min
